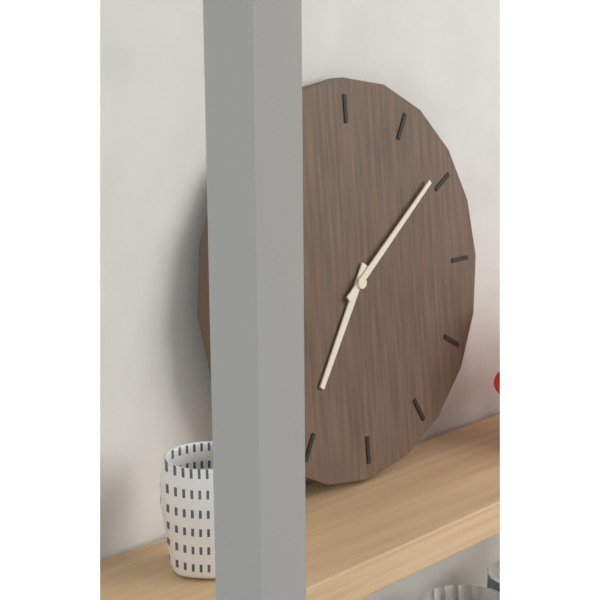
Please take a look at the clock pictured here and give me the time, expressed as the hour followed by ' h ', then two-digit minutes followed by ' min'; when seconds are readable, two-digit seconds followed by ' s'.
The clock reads 7 h 09 min
